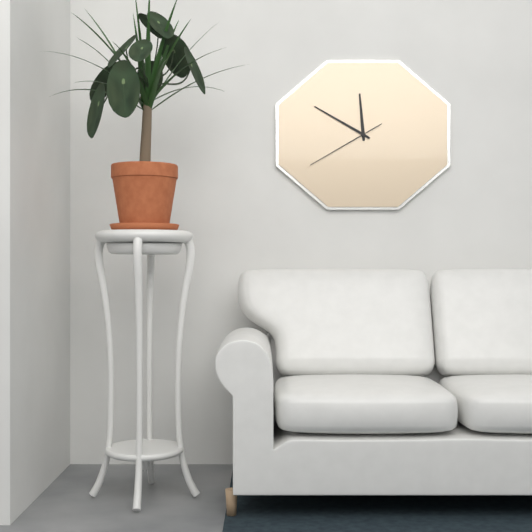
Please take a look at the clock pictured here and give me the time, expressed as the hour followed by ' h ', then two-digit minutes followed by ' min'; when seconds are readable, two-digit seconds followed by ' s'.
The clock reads 11 h 50 min 40 s
